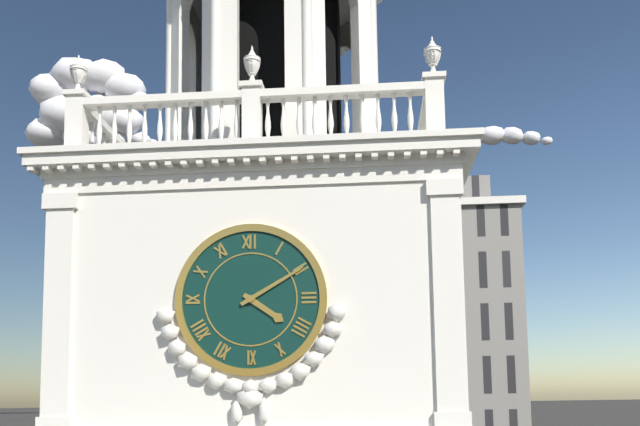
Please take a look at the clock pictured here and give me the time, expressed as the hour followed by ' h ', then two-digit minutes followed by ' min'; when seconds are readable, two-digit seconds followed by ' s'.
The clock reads 4 h 10 min
